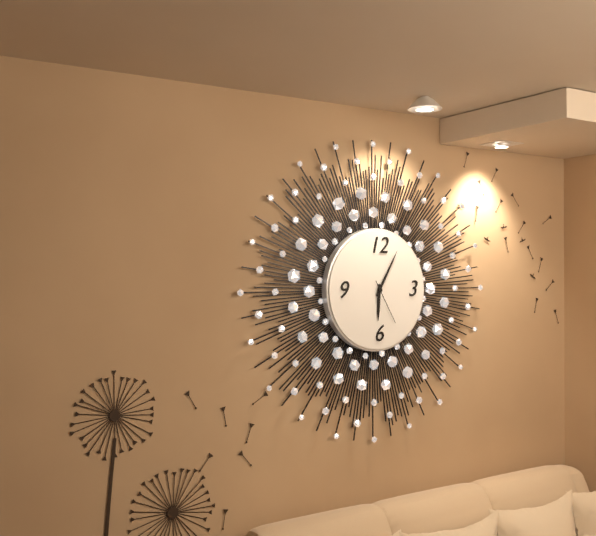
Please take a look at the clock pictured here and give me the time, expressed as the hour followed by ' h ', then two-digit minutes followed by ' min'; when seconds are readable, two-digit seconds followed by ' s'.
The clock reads 6 h 05 min
